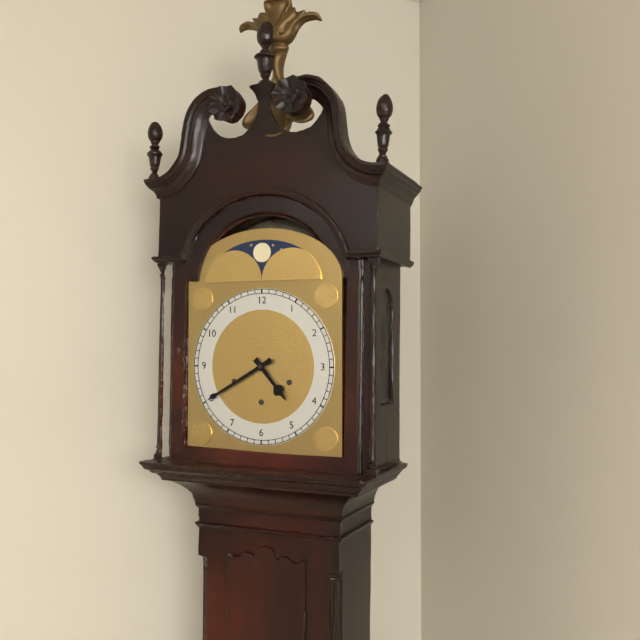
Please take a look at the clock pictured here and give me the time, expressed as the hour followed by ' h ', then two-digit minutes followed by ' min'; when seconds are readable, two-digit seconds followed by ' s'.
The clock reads 4 h 40 min
